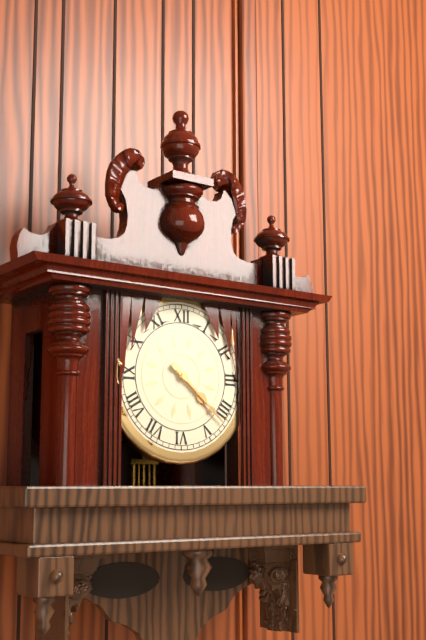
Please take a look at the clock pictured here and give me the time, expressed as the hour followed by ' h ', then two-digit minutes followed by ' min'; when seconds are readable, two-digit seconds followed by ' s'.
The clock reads 4 h 22 min
